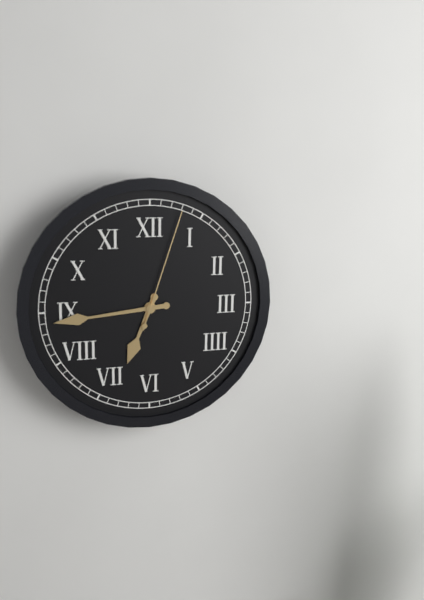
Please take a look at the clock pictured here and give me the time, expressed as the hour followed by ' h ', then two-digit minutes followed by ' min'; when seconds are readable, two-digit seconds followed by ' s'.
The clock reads 6 h 44 min 03 s
